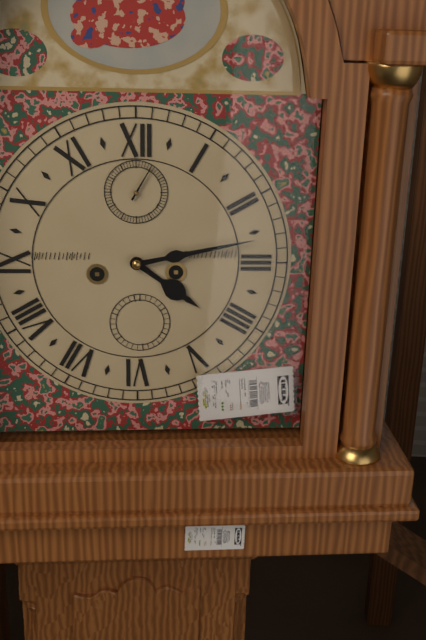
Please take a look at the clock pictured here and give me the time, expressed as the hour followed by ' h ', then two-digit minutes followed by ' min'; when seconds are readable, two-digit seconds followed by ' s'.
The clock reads 4 h 13 min
